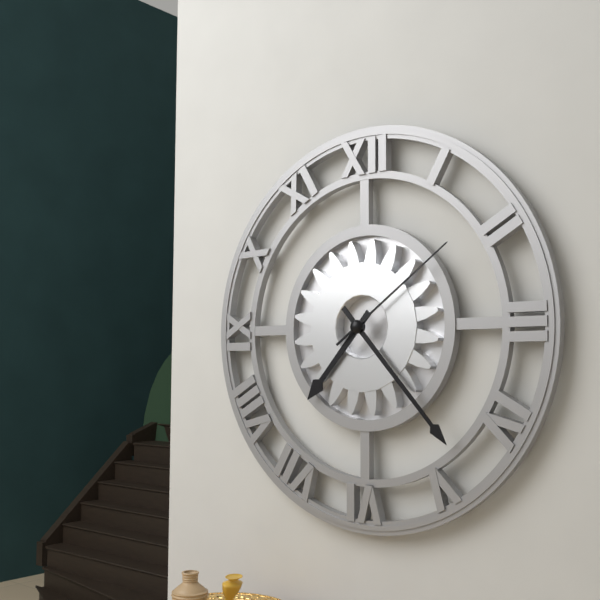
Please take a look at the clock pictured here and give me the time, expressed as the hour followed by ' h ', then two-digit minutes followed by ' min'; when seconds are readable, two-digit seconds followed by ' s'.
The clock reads 7 h 23 min 09 s
